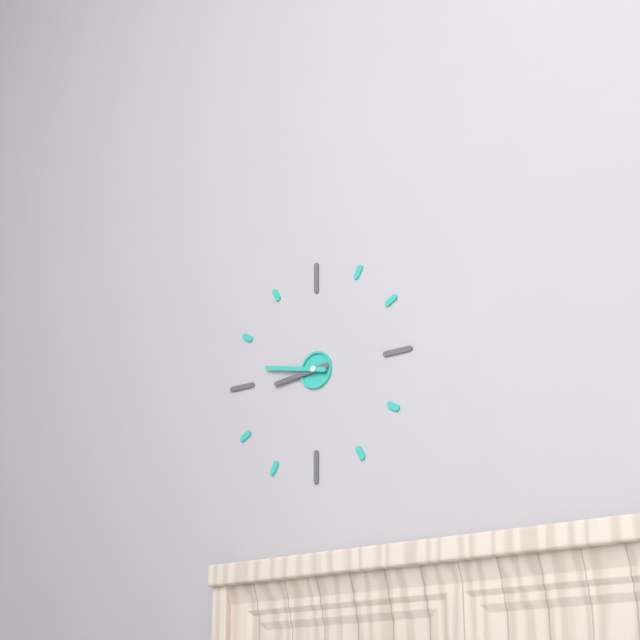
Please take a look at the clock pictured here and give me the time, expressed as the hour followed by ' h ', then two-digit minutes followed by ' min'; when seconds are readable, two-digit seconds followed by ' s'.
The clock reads 8 h 47 min
